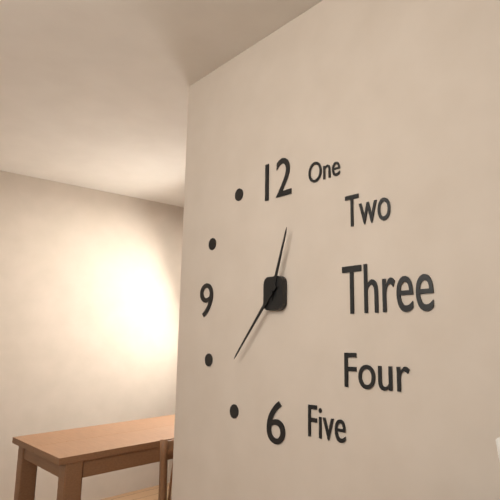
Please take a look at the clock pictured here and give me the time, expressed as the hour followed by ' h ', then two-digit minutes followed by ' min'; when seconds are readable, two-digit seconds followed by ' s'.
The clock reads 12 h 37 min
